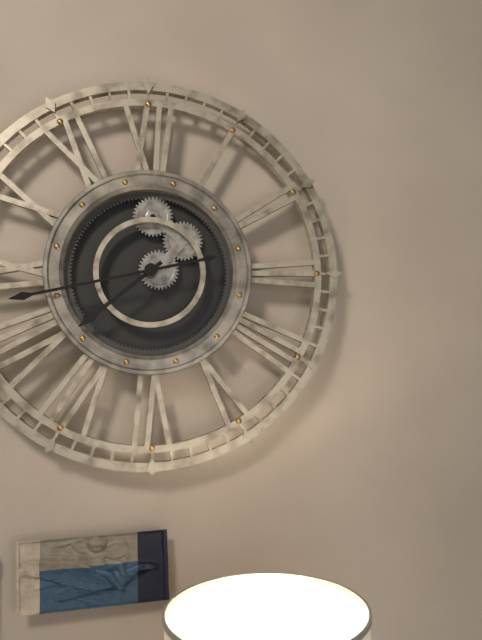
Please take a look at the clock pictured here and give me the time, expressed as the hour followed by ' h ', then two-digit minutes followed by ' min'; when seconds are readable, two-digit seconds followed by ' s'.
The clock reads 7 h 43 min
